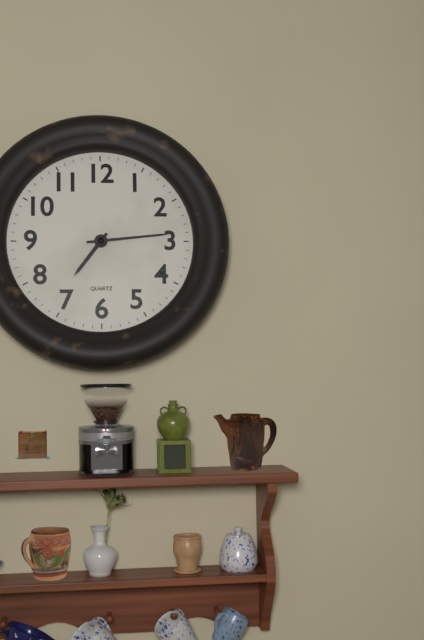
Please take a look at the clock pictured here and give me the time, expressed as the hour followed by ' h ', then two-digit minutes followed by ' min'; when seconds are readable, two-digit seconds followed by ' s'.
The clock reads 7 h 14 min
